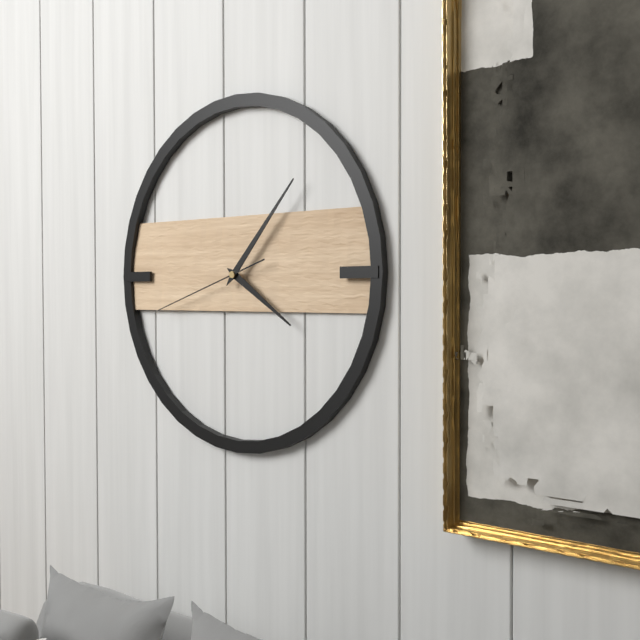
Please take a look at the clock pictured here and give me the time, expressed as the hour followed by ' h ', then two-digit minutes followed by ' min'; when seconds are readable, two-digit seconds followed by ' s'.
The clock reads 4 h 07 min 42 s
